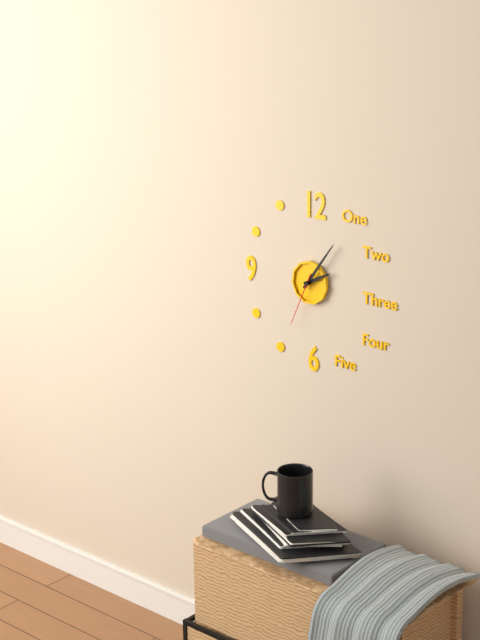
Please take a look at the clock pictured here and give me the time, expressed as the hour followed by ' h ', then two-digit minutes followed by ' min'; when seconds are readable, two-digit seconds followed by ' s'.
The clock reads 2 h 06 min 34 s
